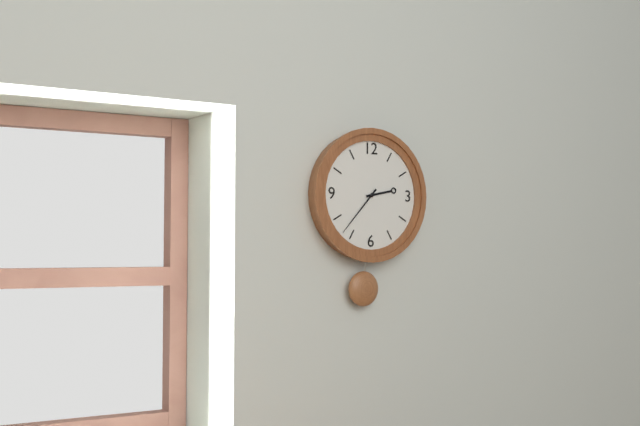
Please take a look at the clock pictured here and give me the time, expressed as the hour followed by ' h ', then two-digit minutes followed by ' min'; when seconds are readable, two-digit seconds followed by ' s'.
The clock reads 2 h 37 min
